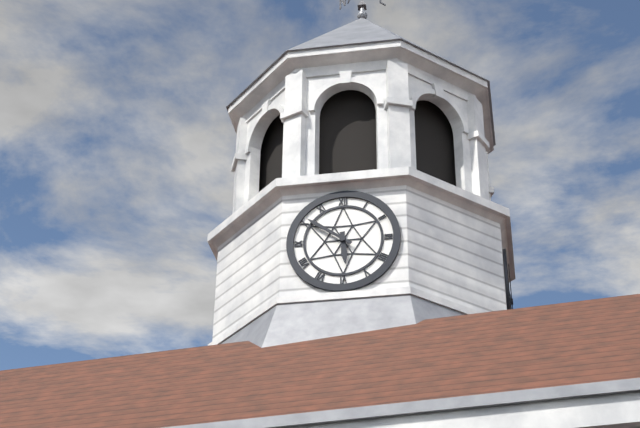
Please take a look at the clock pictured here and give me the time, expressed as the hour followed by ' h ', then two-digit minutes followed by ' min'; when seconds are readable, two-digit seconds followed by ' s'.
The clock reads 5 h 51 min
